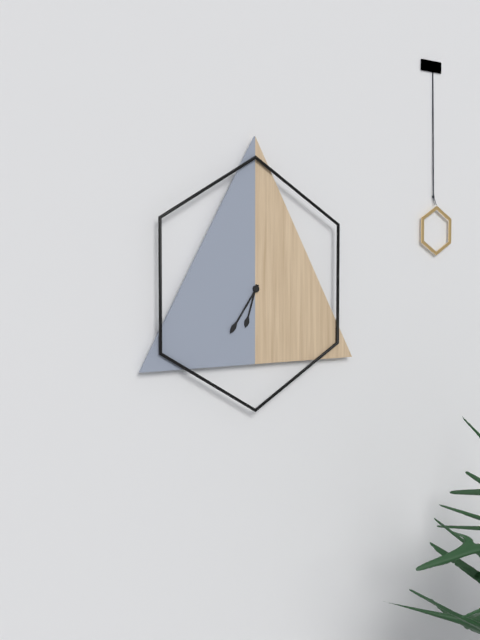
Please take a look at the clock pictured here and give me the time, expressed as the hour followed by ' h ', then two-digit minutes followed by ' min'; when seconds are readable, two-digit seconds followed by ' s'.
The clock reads 6 h 36 min
